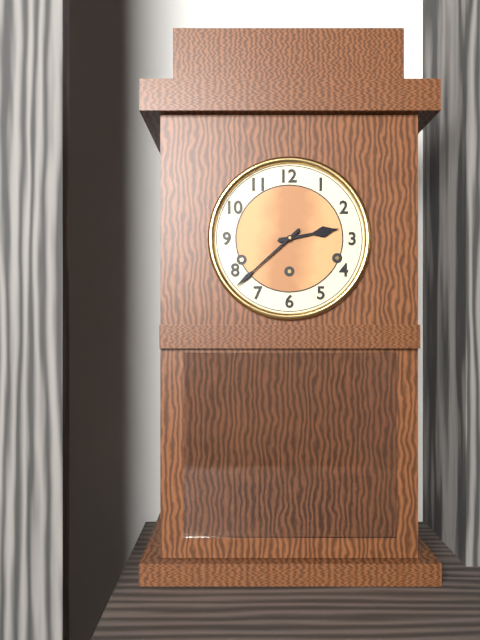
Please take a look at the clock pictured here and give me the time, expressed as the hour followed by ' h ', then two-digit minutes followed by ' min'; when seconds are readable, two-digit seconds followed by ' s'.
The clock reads 2 h 38 min
